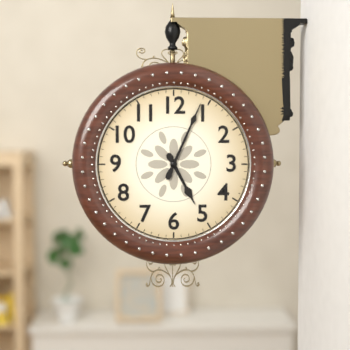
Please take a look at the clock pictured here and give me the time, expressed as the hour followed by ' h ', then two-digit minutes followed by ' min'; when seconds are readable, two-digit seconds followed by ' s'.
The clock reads 5 h 04 min
